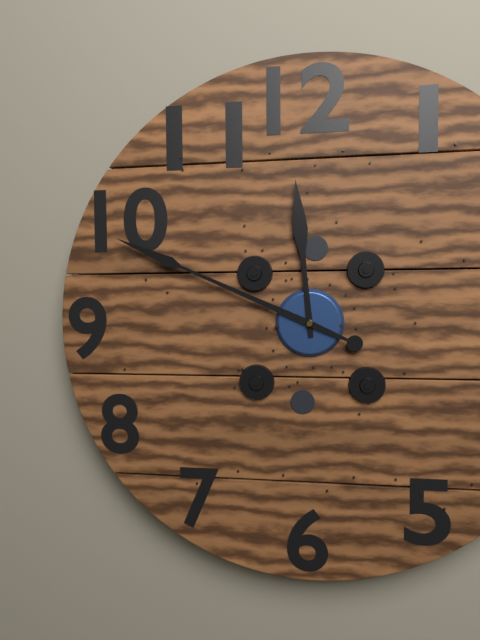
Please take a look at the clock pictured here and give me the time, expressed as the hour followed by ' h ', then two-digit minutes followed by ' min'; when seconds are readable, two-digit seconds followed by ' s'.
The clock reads 11 h 49 min
